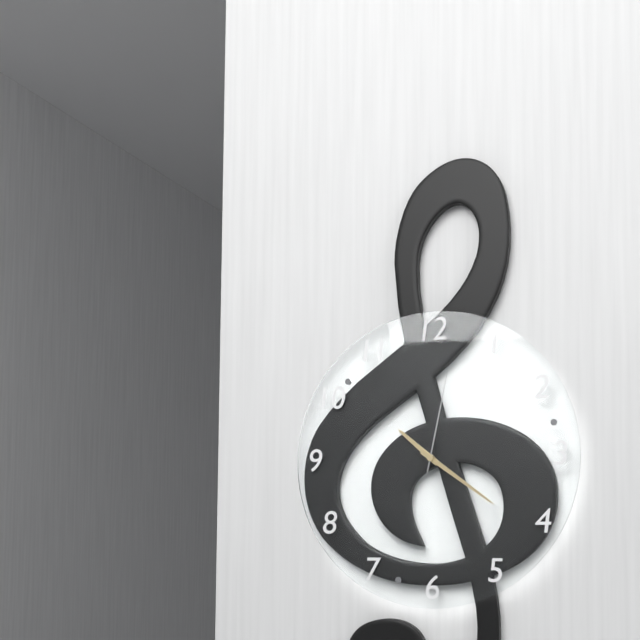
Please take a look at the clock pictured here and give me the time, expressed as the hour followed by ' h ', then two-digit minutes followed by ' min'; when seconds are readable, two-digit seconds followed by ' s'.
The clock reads 10 h 21 min 02 s
